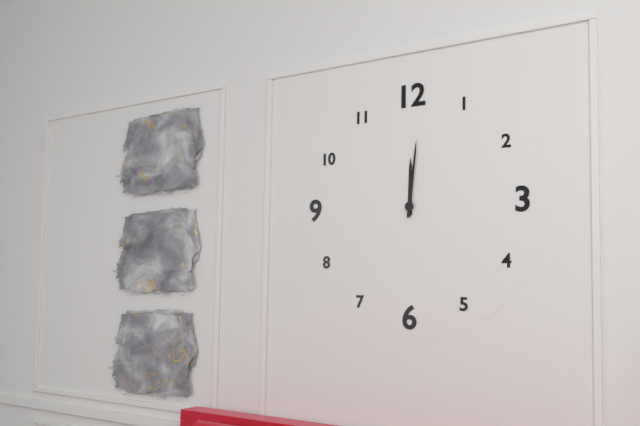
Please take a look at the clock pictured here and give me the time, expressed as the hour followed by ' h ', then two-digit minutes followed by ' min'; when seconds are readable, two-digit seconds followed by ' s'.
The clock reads 12 h 01 min
